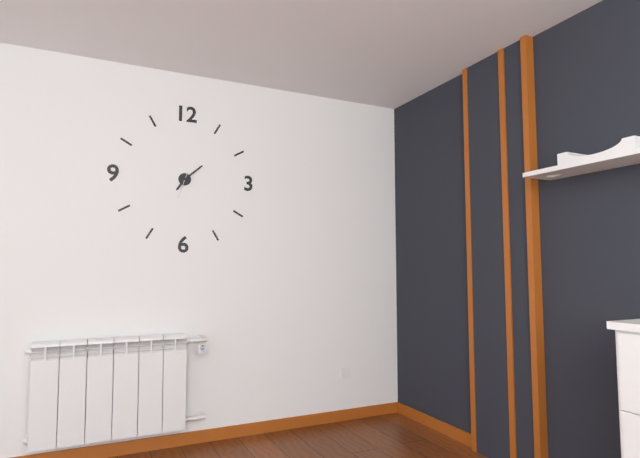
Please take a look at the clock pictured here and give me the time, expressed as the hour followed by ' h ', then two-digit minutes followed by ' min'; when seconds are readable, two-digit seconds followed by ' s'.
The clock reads 7 h 08 min
